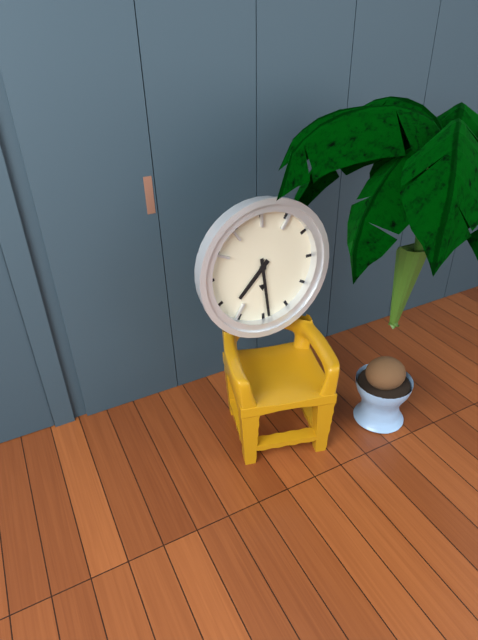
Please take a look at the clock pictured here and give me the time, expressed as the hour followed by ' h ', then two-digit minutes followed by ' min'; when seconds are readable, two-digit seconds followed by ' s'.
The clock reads 7 h 29 min
